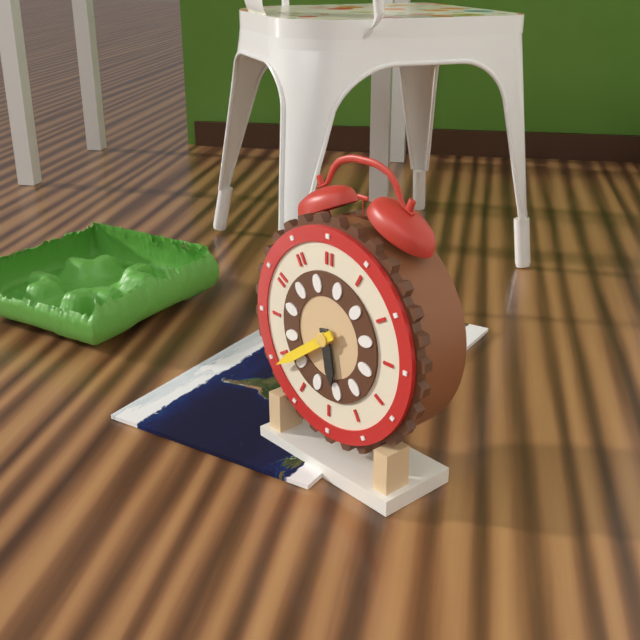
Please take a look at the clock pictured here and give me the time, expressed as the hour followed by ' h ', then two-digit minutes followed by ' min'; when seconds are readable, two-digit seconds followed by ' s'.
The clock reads 5 h 39 min
